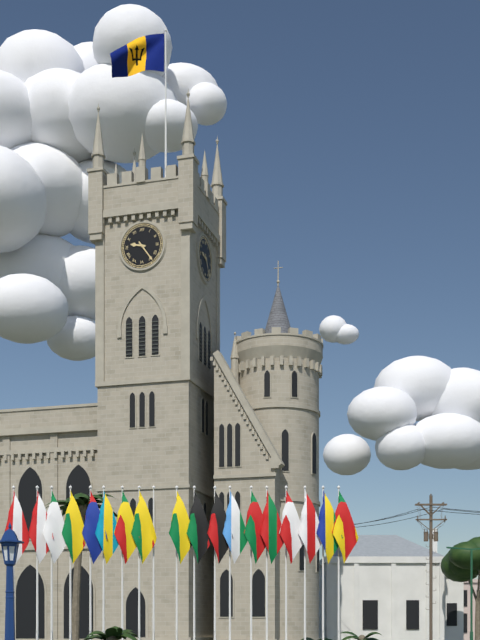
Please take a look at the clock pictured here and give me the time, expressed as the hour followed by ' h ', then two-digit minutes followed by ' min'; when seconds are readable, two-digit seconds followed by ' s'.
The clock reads 9 h 24 min
